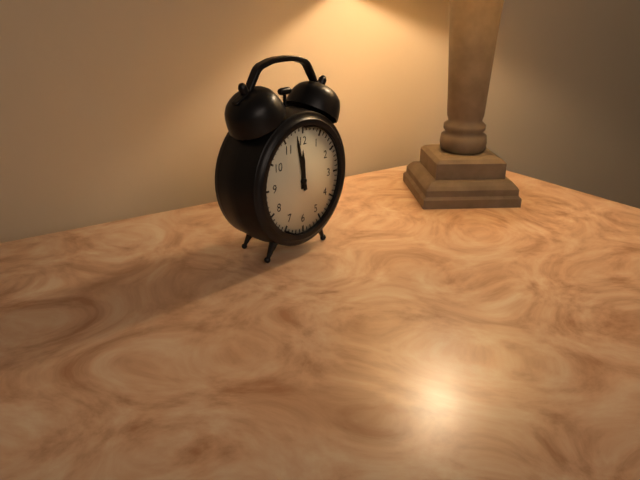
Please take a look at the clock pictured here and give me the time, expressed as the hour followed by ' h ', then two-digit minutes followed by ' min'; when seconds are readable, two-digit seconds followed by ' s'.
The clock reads 11 h 58 min
